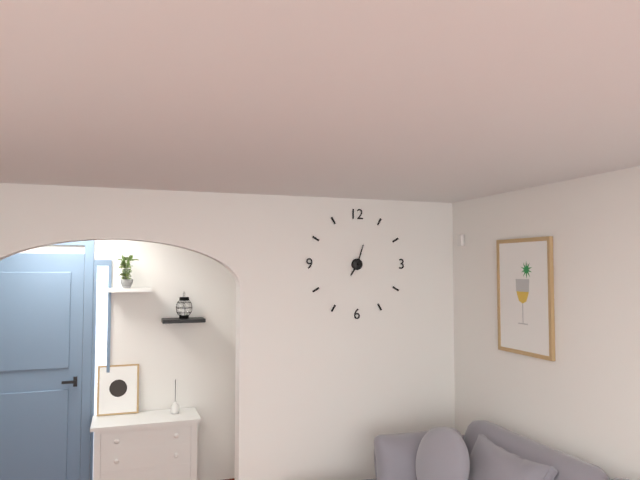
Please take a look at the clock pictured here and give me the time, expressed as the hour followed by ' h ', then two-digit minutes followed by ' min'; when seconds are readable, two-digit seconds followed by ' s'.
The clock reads 7 h 03 min
